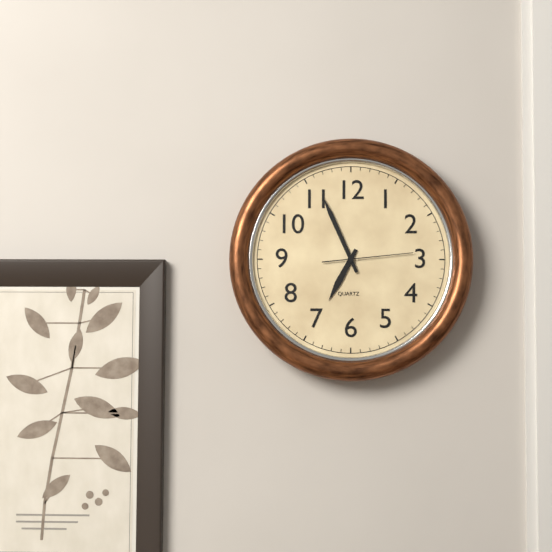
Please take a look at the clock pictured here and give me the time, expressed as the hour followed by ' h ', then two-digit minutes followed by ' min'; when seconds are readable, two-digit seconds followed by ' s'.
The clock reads 6 h 56 min 14 s
